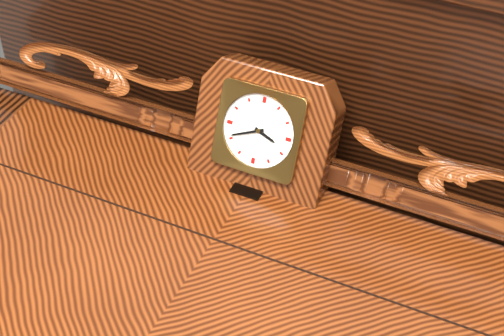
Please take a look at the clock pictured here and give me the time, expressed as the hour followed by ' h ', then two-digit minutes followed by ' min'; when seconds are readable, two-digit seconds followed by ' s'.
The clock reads 3 h 41 min
